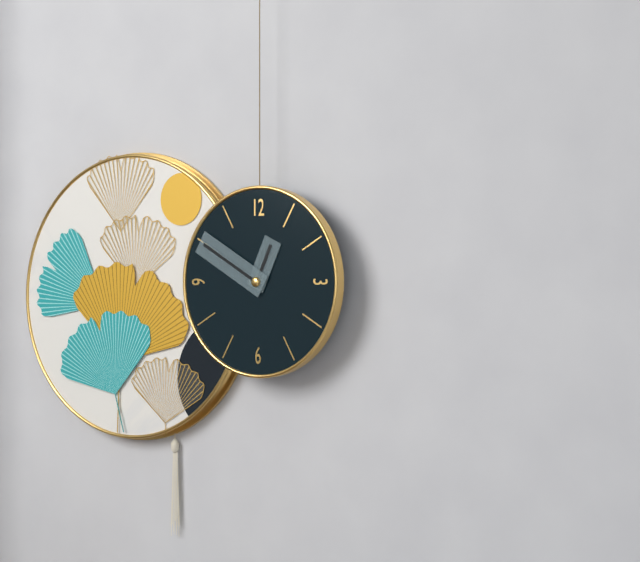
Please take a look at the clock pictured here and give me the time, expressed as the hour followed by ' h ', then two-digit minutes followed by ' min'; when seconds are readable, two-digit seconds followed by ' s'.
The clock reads 12 h 50 min
